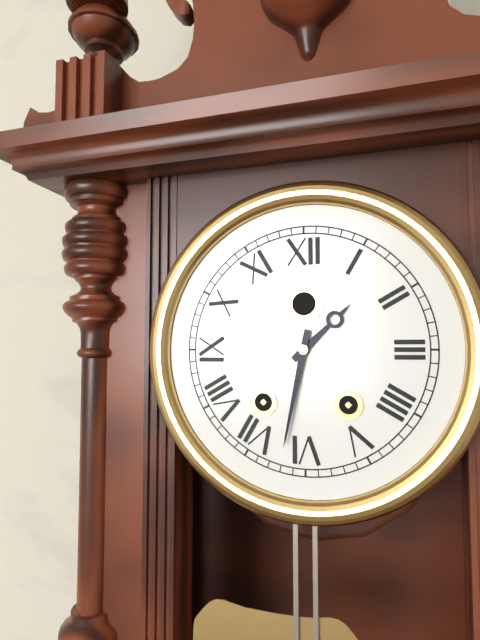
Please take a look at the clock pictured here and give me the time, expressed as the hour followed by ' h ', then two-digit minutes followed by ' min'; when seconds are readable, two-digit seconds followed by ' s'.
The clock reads 1 h 32 min
